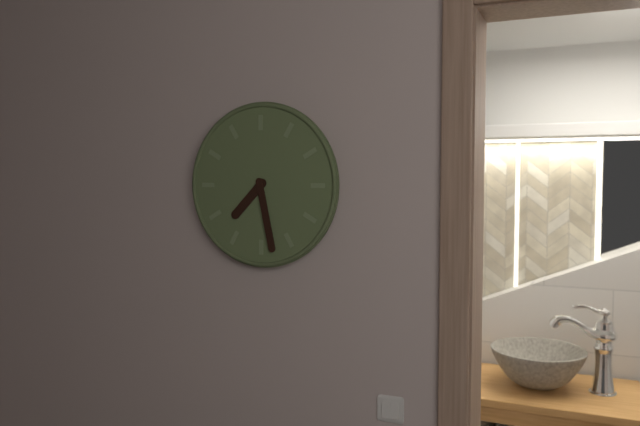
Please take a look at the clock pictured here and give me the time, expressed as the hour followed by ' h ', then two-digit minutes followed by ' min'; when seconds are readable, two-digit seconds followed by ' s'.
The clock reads 7 h 28 min
